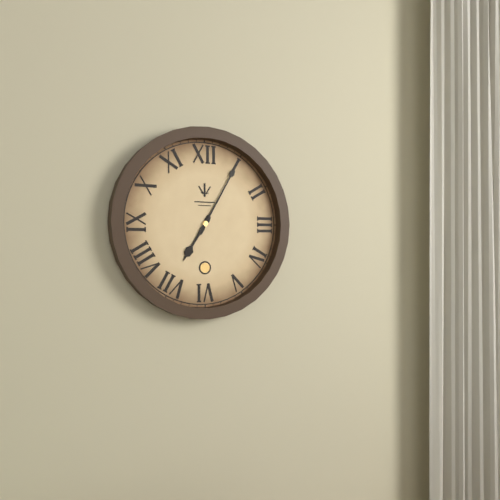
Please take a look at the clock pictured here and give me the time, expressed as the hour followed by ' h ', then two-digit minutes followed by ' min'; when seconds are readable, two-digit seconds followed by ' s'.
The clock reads 7 h 05 min
